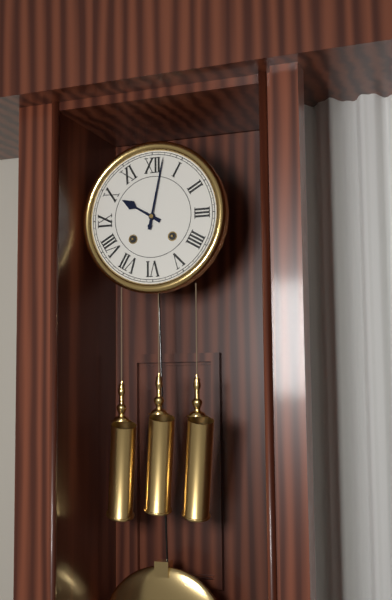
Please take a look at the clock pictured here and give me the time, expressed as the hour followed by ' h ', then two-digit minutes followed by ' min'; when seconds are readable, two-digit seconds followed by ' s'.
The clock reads 10 h 02 min
